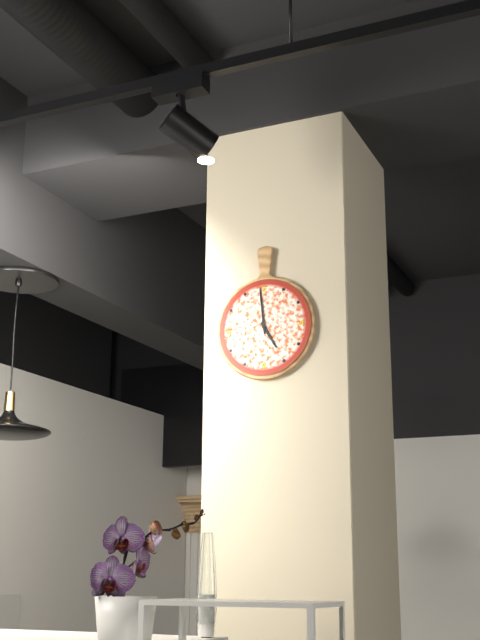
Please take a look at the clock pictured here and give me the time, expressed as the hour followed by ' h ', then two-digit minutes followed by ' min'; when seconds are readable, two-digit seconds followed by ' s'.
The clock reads 4 h 59 min
